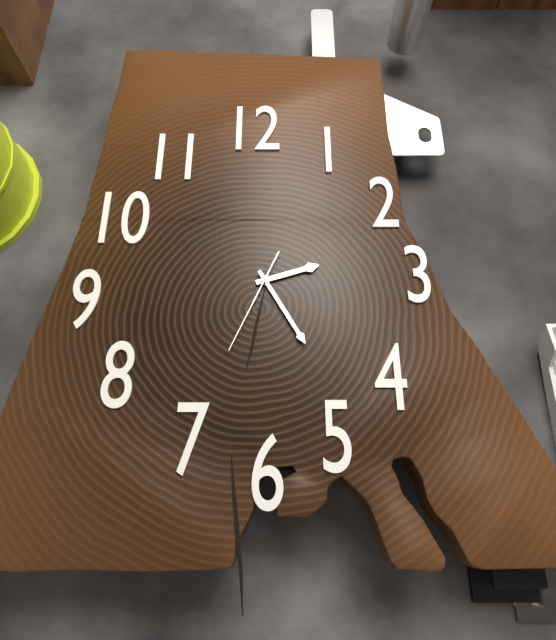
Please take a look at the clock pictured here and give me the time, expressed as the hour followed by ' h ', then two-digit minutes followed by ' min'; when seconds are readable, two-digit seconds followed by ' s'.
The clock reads 2 h 25 min 34 s
